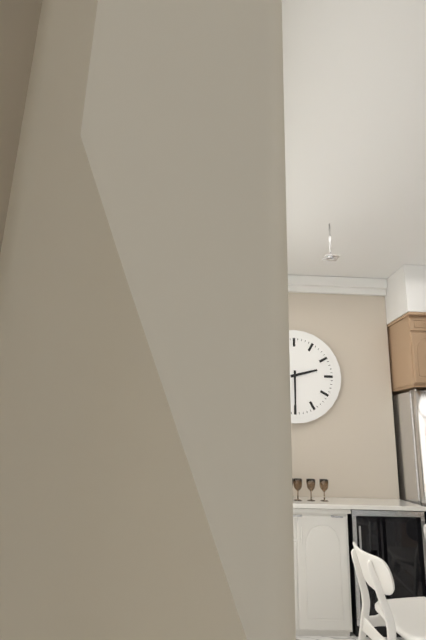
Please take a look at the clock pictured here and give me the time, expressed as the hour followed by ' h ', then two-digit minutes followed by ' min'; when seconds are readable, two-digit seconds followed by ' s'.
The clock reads 2 h 30 min
